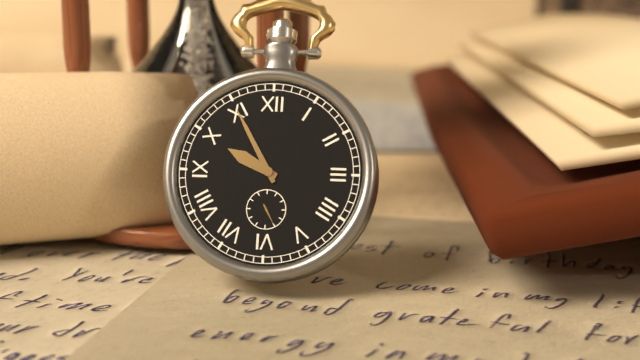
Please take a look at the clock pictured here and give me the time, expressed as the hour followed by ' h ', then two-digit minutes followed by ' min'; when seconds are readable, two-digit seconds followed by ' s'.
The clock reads 9 h 55 min
